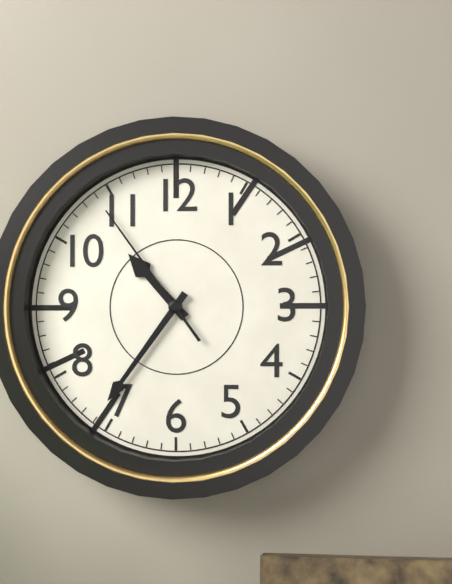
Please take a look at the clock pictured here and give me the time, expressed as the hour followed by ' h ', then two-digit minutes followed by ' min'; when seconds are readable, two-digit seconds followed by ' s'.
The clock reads 10 h 36 min 54 s
